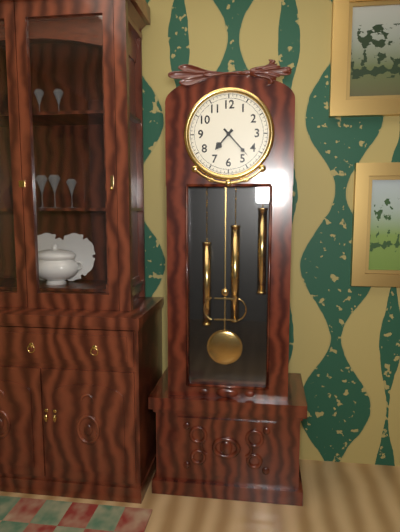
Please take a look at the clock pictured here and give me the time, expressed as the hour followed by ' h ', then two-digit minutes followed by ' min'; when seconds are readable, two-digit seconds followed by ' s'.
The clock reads 7 h 23 min
